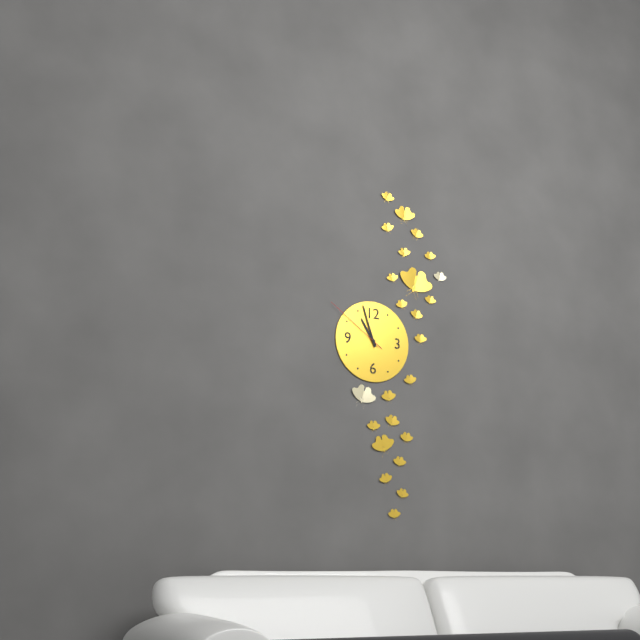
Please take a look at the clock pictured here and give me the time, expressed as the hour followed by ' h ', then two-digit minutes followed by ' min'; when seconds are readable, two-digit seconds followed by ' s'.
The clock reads 10 h 57 min 51 s
